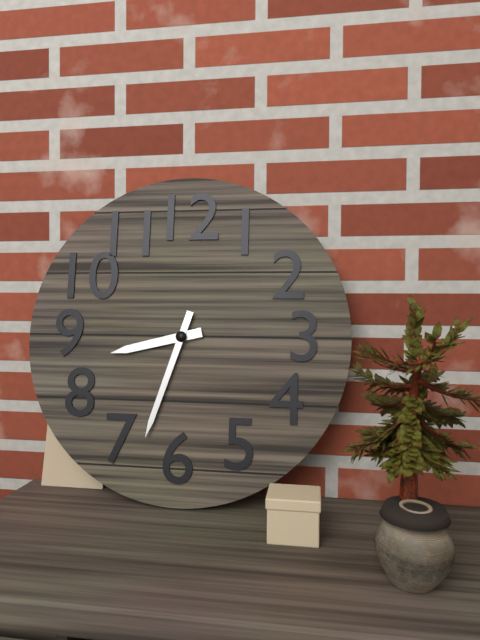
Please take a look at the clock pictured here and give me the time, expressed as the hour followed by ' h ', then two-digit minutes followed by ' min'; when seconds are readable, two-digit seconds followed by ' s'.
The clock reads 8 h 33 min
